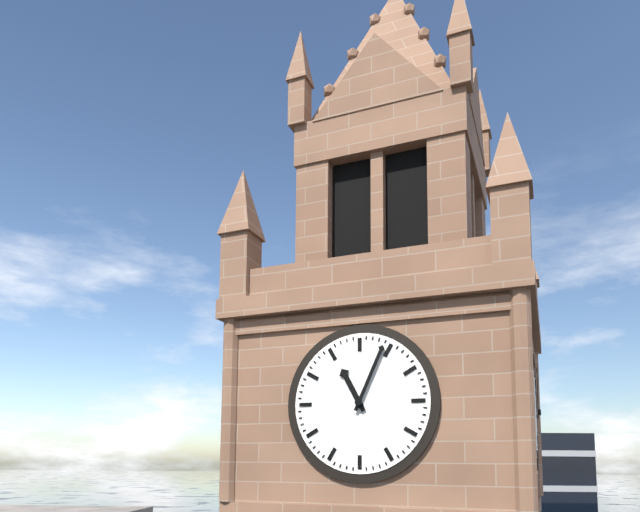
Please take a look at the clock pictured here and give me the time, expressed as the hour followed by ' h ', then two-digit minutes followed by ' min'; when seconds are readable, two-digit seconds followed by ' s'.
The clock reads 11 h 04 min
